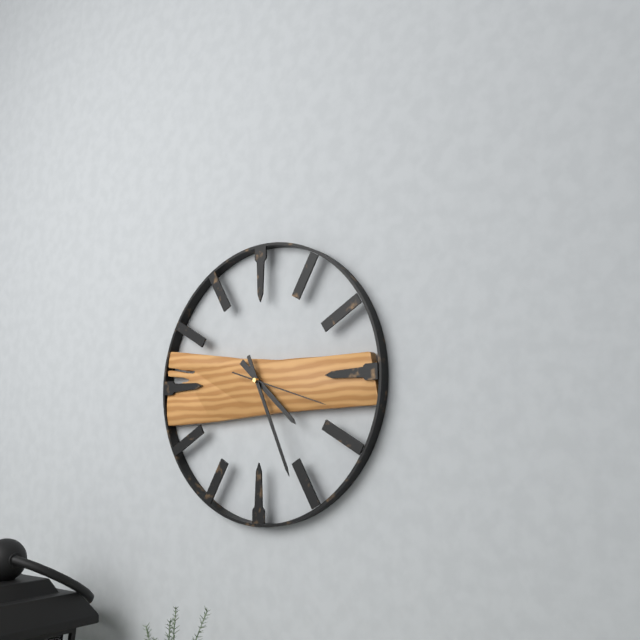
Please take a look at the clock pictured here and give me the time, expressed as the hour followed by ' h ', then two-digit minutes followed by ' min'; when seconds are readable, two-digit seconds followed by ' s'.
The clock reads 4 h 26 min 18 s
